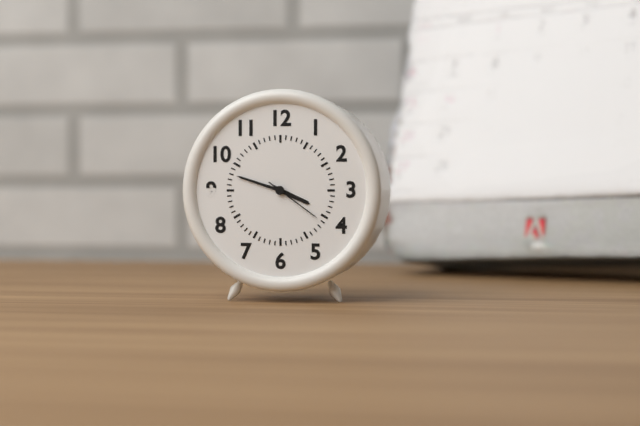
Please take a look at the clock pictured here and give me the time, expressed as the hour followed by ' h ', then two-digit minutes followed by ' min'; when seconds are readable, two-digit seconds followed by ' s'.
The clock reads 3 h 48 min 21 s
